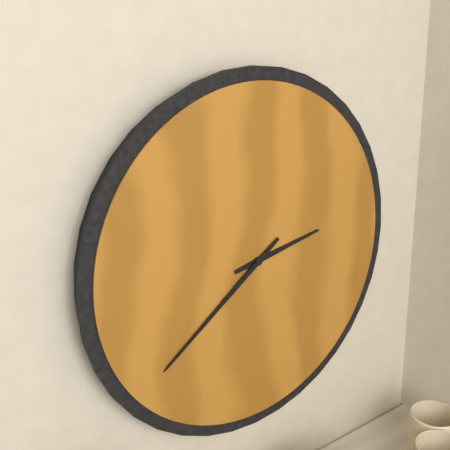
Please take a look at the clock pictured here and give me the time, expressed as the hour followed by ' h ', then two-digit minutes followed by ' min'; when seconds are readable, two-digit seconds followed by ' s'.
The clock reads 2 h 39 min
